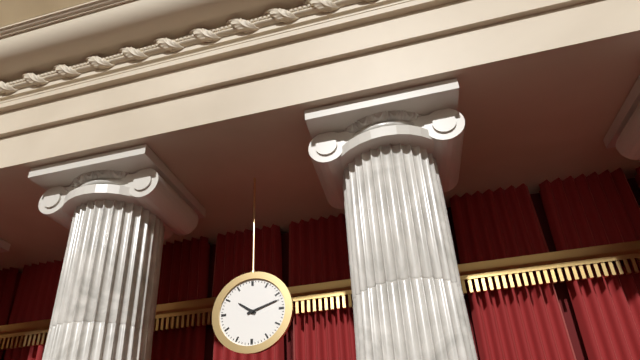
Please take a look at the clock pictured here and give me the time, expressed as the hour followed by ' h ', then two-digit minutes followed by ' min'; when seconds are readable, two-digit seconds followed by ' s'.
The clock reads 10 h 12 min
